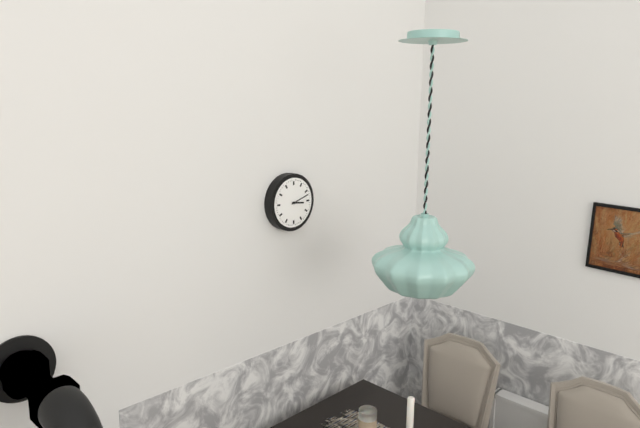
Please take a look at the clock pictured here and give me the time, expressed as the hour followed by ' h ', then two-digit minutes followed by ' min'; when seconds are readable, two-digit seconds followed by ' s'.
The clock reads 3 h 12 min
